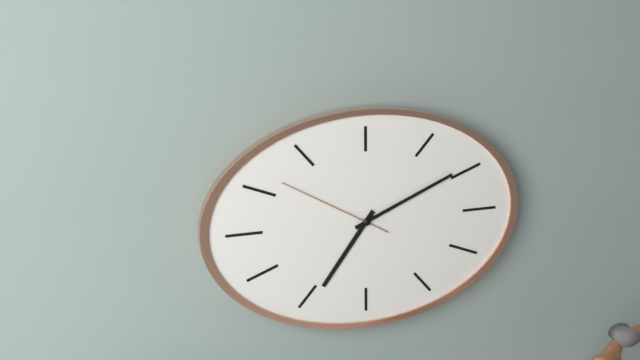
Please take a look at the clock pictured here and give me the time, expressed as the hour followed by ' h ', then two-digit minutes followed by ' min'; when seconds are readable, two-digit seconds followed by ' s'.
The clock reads 7 h 11 min 50 s
